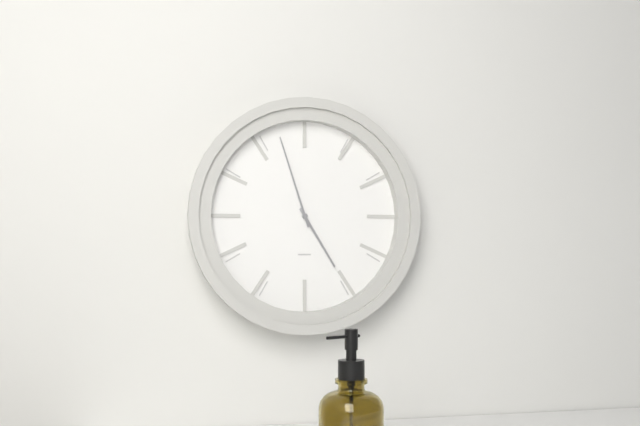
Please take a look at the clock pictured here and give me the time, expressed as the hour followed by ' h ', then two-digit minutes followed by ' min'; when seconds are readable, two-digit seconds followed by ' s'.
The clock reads 4 h 57 min
